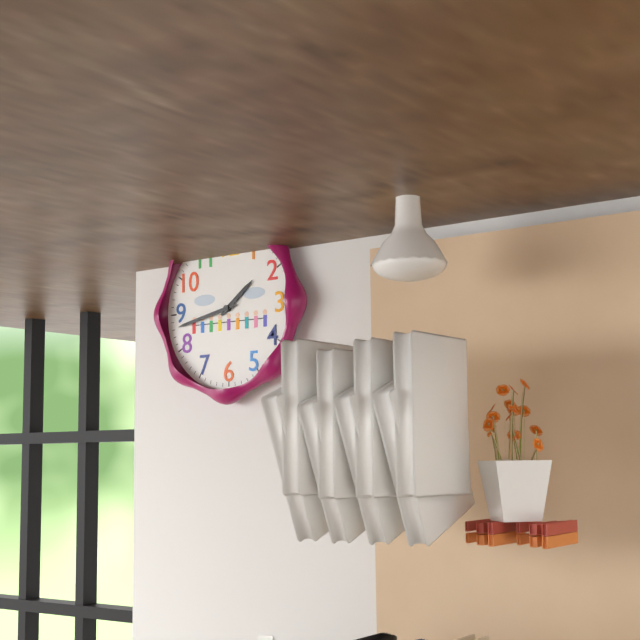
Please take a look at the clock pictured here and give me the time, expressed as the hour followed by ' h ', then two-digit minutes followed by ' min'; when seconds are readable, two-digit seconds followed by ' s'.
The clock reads 1 h 43 min
